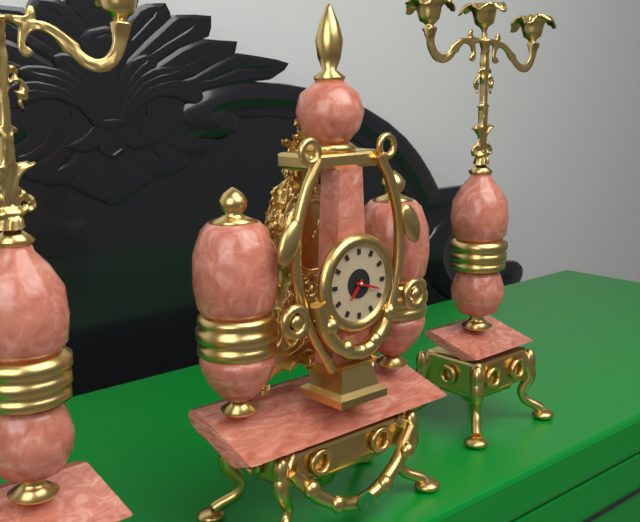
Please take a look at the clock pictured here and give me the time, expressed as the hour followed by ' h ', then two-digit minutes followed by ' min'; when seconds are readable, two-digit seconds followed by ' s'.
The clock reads 7 h 18 min
